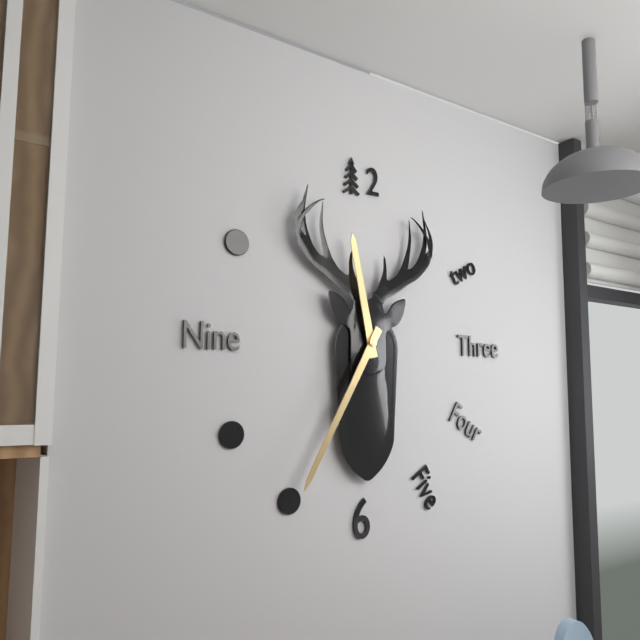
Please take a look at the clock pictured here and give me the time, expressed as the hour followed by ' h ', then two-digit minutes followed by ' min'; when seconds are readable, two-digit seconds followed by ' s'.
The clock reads 11 h 35 min
